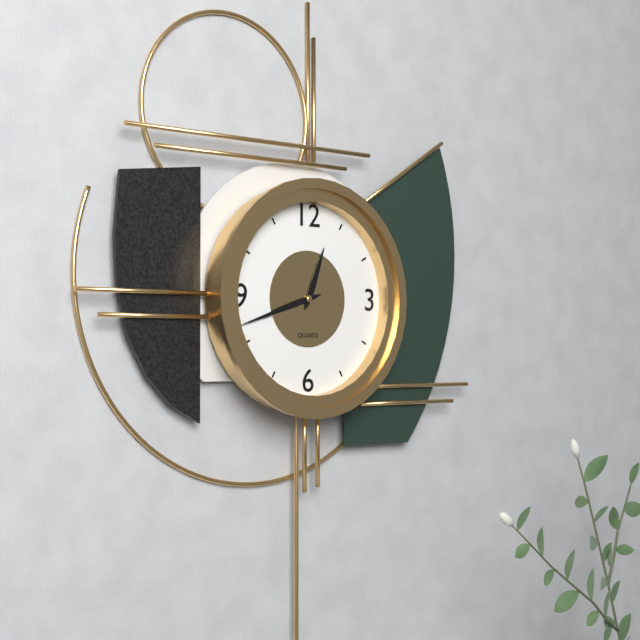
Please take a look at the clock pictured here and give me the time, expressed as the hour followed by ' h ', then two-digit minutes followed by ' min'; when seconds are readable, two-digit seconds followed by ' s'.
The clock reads 12 h 42 min
